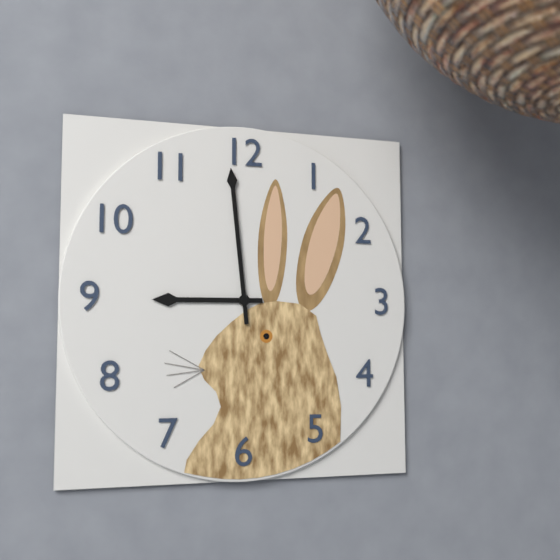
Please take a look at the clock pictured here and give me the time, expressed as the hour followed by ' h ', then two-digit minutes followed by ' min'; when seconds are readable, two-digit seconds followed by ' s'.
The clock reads 8 h 59 min
